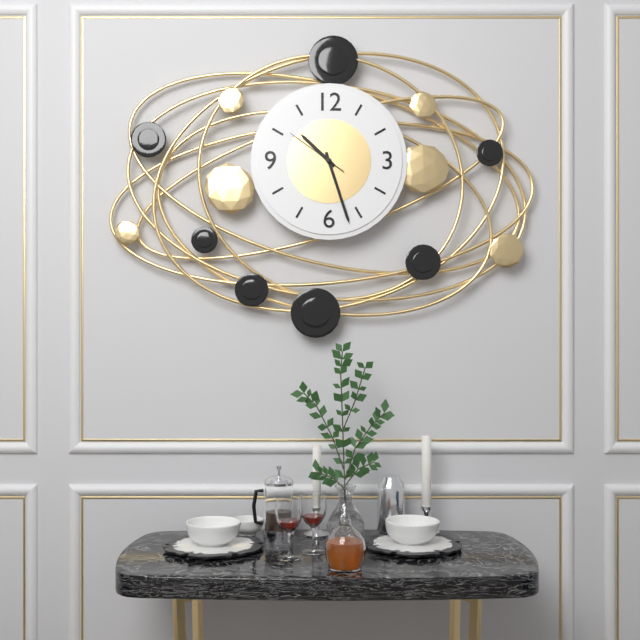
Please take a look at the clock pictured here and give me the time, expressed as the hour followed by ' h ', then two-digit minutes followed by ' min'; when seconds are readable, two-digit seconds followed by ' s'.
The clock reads 10 h 27 min 51 s
